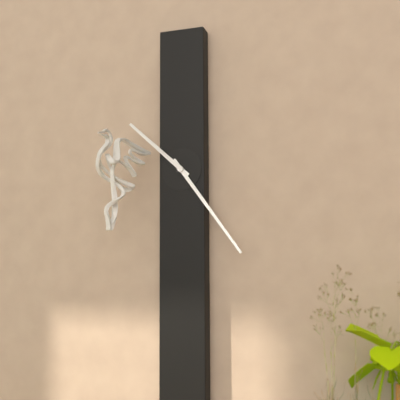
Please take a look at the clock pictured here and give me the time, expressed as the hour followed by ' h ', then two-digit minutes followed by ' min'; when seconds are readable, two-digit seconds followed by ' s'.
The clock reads 10 h 24 min
